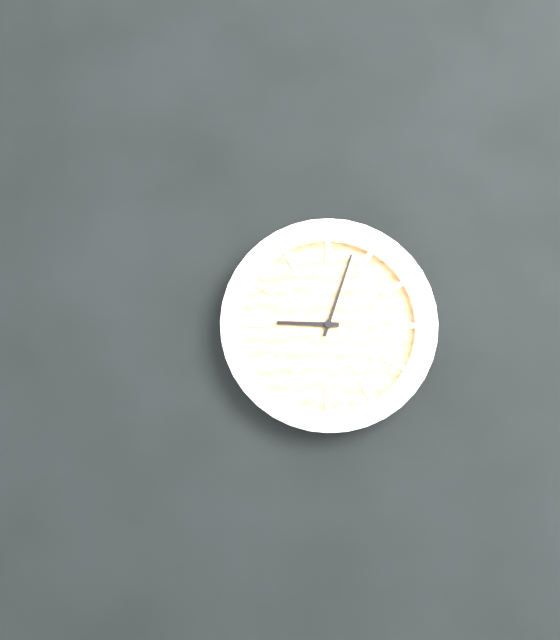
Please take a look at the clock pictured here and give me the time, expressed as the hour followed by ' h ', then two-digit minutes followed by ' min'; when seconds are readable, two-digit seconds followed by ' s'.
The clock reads 9 h 03 min
